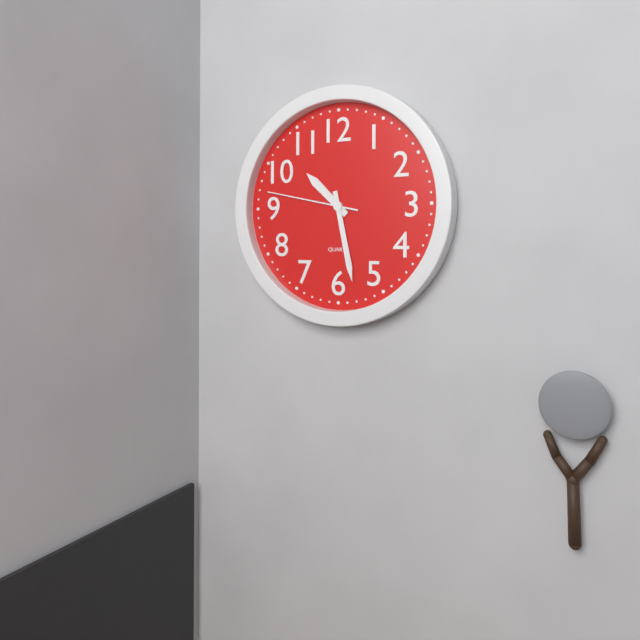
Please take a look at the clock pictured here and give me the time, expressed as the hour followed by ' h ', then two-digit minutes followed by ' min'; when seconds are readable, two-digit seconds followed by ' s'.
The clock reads 10 h 28 min 47 s
